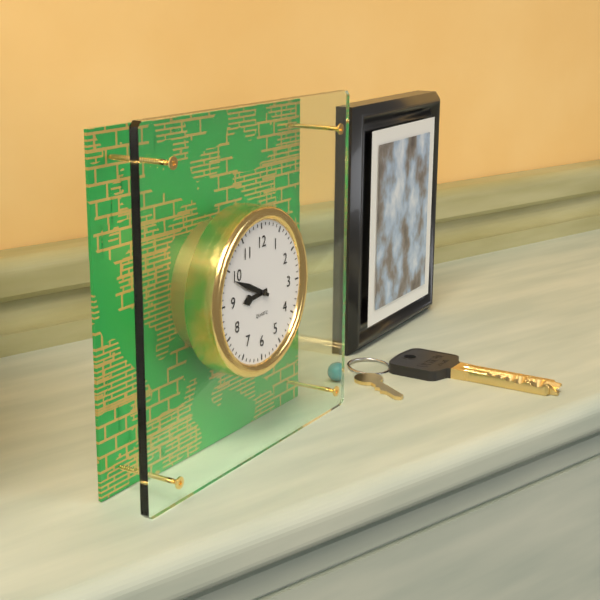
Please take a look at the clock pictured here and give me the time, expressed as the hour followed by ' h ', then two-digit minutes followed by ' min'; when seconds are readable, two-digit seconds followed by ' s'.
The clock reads 8 h 49 min
